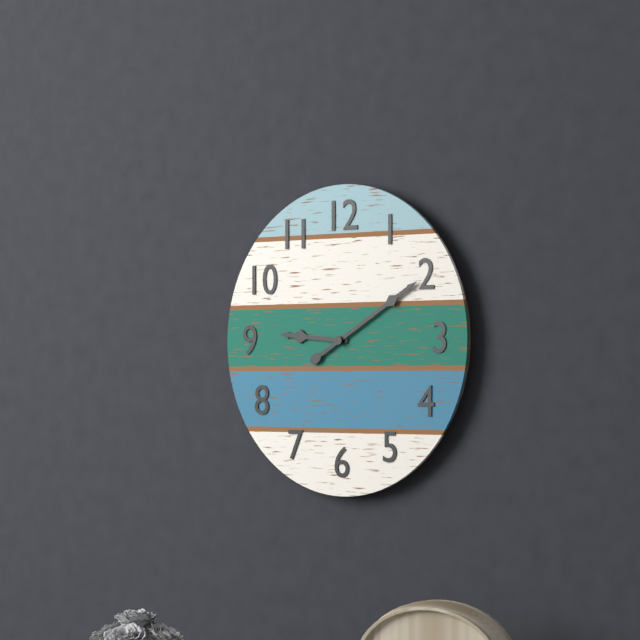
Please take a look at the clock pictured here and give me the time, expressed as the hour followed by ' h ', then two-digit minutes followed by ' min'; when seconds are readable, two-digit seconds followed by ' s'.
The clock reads 9 h 10 min
